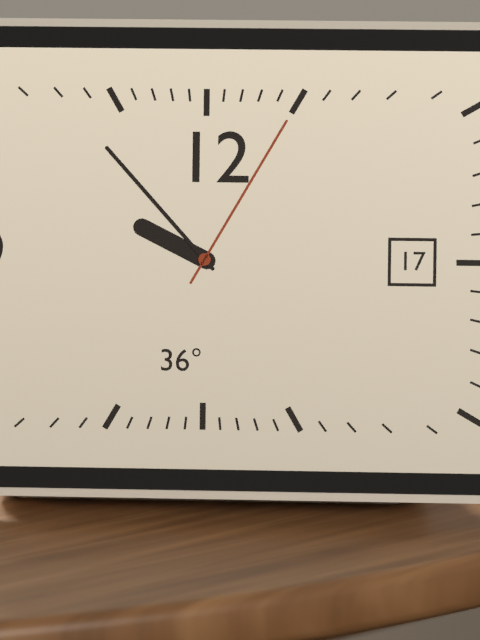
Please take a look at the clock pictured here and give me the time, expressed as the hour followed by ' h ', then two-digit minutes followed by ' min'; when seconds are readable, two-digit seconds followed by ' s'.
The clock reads 9 h 53 min 05 s
